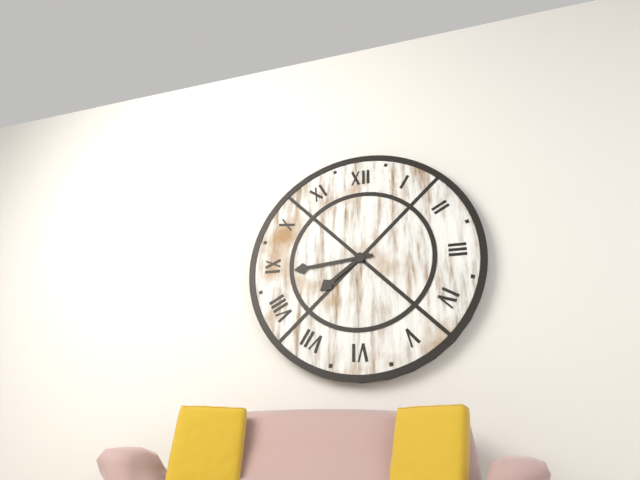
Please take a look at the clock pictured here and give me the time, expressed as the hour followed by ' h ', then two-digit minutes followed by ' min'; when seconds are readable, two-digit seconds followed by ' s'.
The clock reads 7 h 44 min
